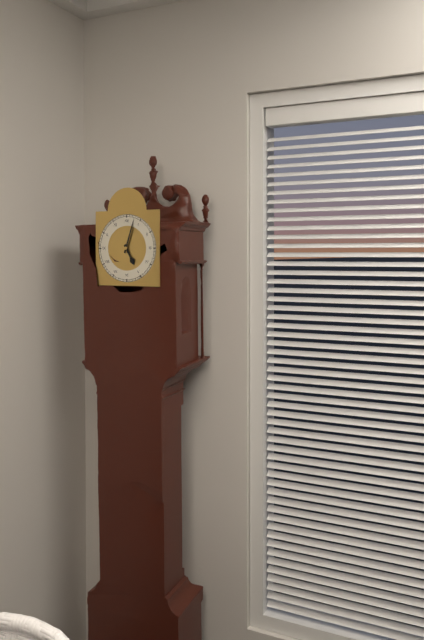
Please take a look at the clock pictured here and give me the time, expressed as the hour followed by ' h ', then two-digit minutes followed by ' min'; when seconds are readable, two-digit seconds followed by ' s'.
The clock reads 5 h 03 min
